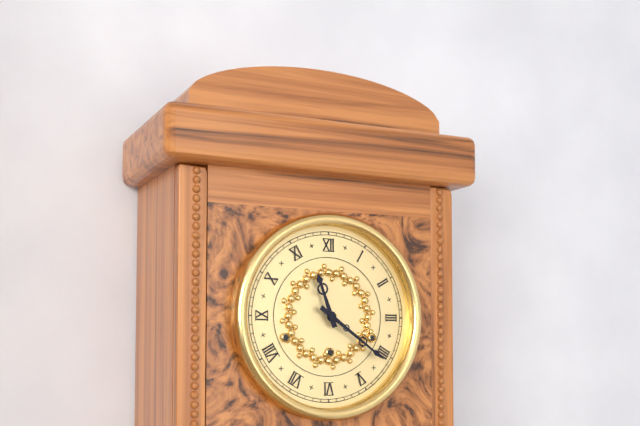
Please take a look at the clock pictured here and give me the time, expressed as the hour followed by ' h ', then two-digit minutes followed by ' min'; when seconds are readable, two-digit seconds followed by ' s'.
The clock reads 11 h 21 min
